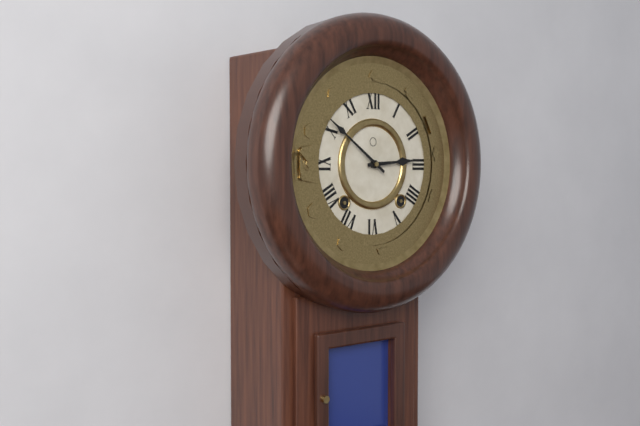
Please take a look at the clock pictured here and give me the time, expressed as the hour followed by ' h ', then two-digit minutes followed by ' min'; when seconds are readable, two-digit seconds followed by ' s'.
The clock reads 2 h 51 min
